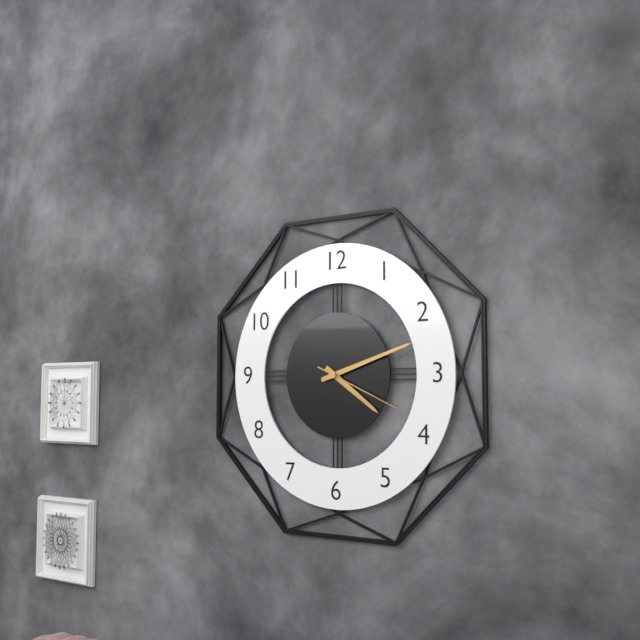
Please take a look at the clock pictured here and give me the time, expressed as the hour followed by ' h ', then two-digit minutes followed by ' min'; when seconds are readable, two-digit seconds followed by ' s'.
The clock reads 4 h 12 min 19 s
